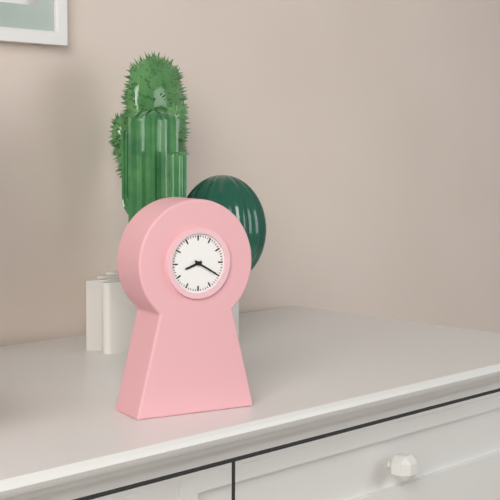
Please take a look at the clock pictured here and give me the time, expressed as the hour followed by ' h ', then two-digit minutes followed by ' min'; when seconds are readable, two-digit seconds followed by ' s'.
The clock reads 8 h 20 min
